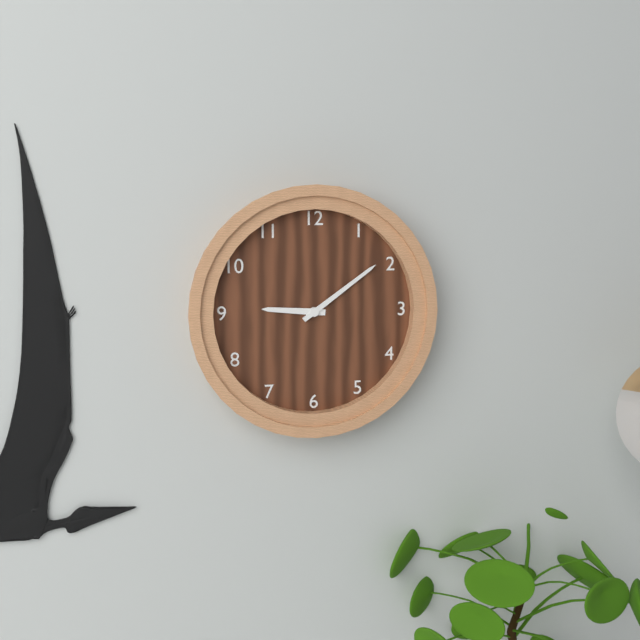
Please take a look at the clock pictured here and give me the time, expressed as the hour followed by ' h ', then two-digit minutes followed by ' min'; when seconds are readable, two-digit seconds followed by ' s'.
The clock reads 9 h 09 min
